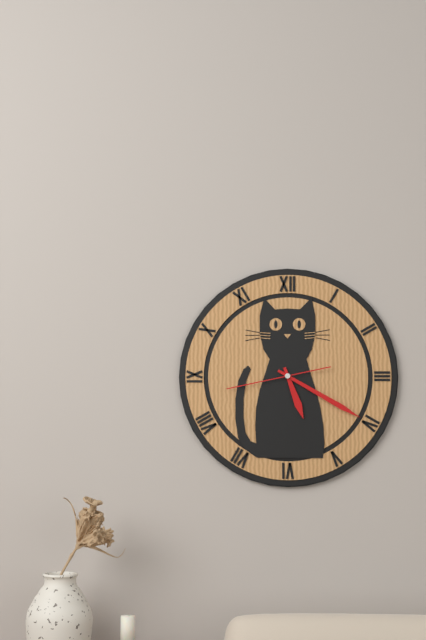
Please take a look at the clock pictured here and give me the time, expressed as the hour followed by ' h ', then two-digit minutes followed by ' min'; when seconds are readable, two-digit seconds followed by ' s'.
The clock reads 5 h 20 min 43 s
